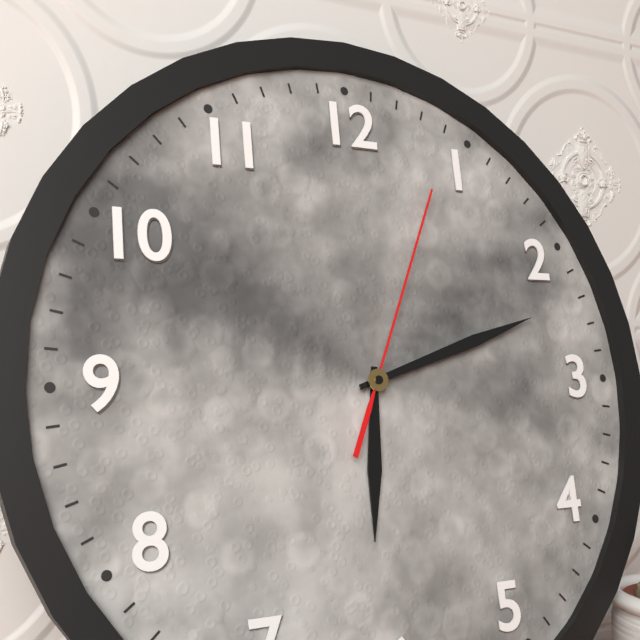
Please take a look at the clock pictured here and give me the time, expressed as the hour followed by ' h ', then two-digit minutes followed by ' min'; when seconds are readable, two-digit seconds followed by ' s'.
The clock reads 6 h 12 min 04 s
